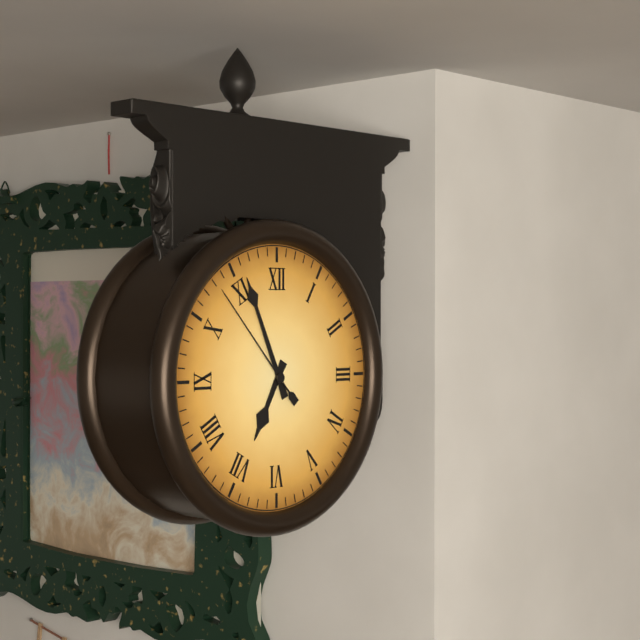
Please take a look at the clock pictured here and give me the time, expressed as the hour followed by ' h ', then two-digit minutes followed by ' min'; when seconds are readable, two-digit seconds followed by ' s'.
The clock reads 6 h 56 min 53 s
